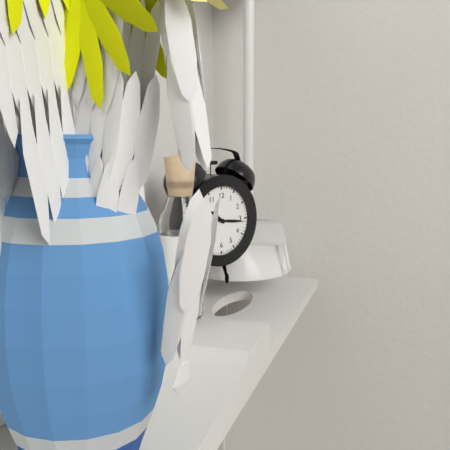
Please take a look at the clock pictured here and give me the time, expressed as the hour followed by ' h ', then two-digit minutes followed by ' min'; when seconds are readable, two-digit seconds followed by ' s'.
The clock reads 10 h 16 min
